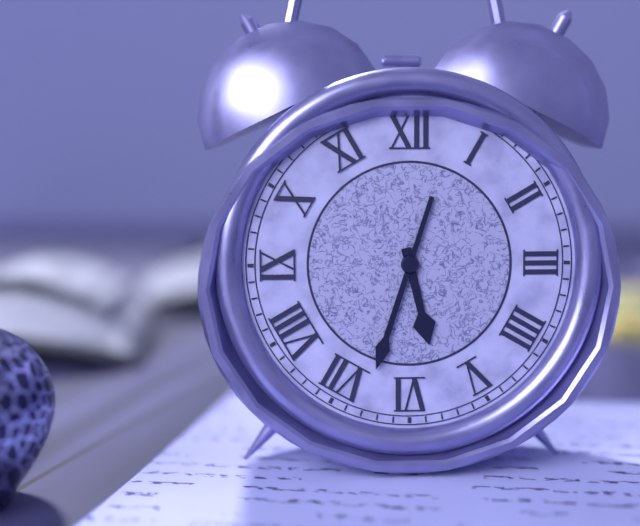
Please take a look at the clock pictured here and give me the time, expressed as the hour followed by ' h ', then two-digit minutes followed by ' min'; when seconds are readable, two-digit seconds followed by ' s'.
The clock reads 5 h 33 min
